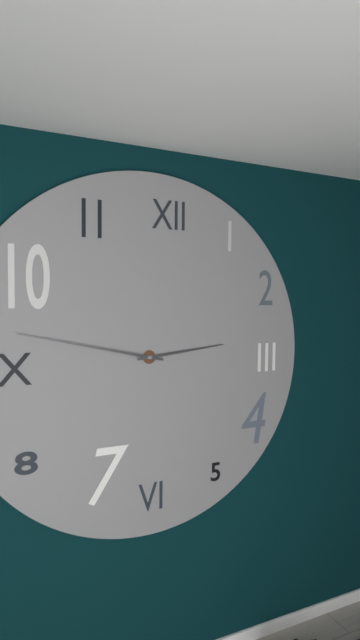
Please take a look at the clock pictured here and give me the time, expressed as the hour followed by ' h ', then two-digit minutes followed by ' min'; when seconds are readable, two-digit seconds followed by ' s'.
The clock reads 2 h 47 min
